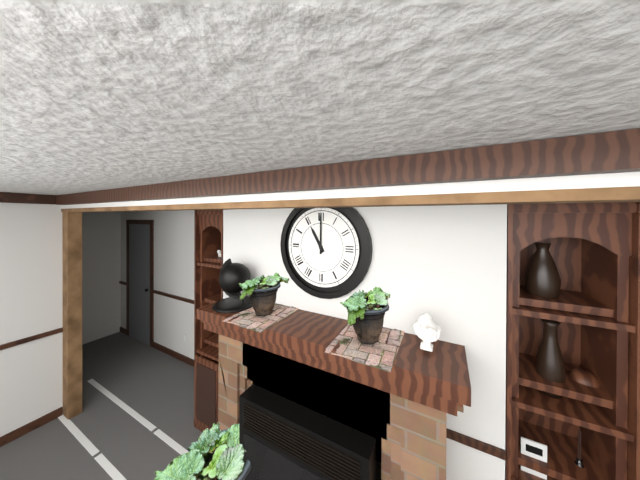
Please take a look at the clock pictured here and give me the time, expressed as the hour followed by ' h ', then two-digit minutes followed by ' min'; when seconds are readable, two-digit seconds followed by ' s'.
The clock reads 11 h 00 min
